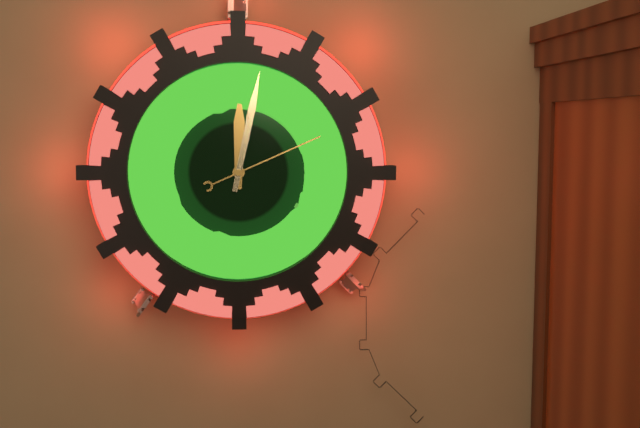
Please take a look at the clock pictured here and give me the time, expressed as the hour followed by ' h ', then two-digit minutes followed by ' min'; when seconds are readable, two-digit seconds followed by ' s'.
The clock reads 12 h 02 min 11 s
